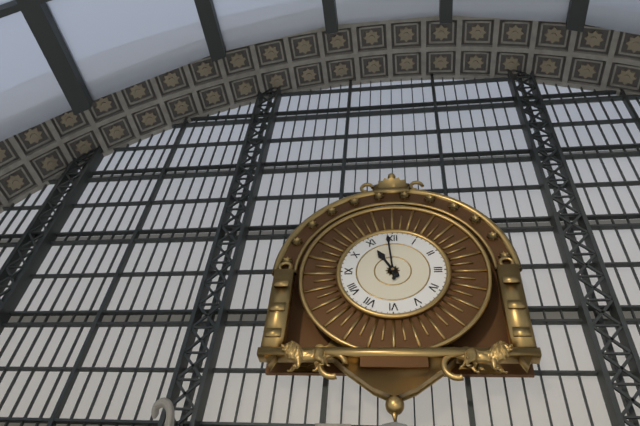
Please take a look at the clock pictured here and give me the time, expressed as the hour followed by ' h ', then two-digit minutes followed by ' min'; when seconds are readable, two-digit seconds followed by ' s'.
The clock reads 10 h 59 min
